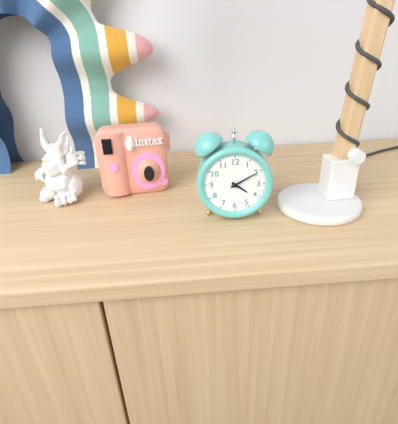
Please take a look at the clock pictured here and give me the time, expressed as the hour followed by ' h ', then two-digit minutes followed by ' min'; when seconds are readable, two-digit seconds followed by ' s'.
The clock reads 4 h 10 min
